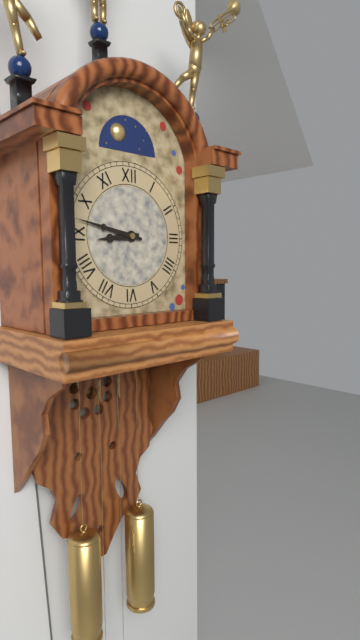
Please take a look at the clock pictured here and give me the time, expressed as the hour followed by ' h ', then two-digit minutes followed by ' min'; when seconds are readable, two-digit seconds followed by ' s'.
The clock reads 8 h 47 min
